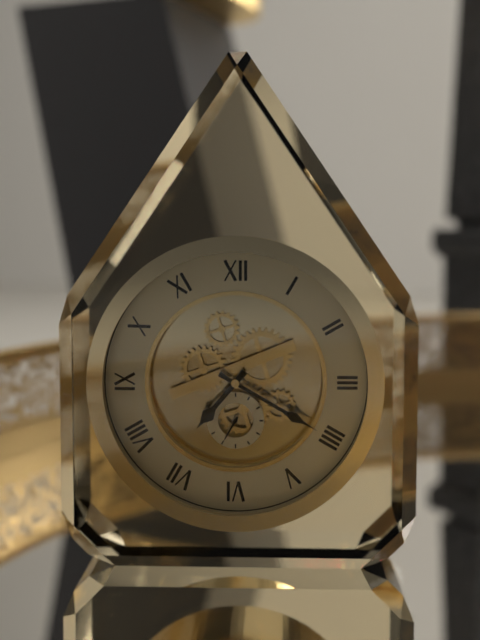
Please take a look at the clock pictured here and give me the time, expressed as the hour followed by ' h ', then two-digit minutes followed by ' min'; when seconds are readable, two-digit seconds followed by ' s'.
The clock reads 7 h 20 min
